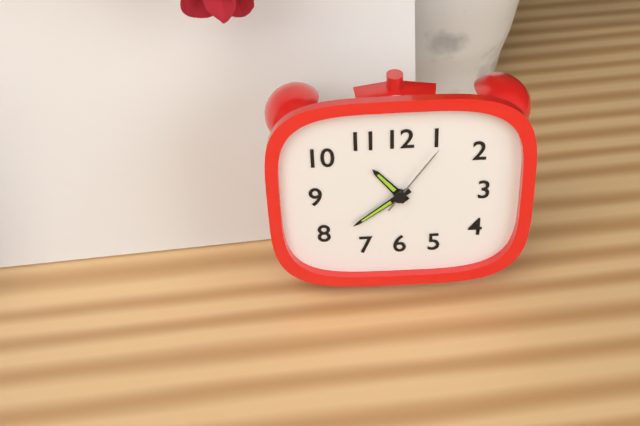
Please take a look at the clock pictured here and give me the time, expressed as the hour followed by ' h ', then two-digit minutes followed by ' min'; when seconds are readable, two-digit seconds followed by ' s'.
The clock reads 10 h 39 min 06 s
